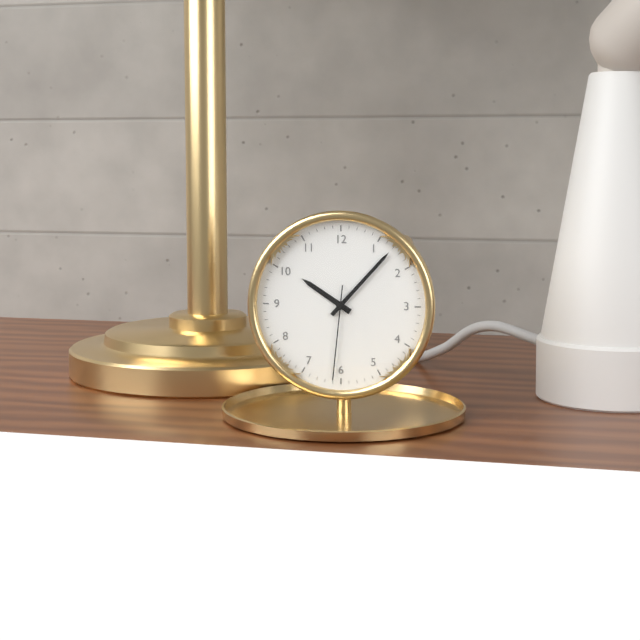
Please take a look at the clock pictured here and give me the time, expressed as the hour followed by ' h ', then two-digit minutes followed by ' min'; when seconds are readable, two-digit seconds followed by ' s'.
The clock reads 10 h 07 min 31 s
